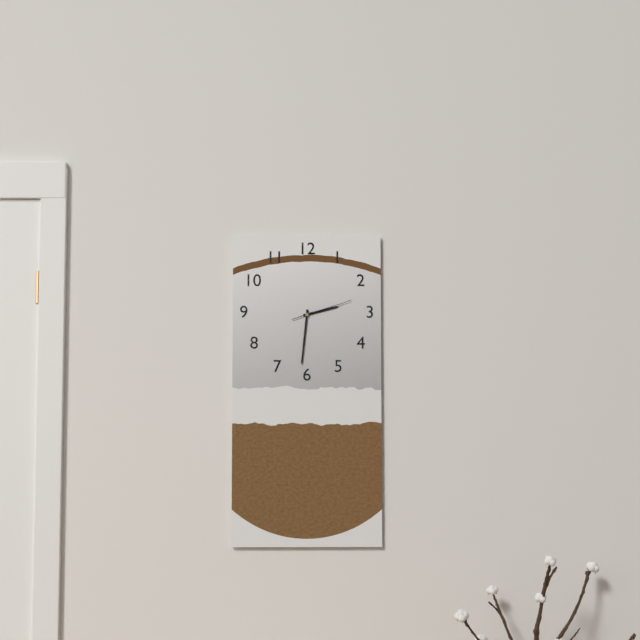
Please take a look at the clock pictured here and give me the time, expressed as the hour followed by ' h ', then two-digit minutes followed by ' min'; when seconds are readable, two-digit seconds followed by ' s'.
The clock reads 2 h 31 min 12 s
